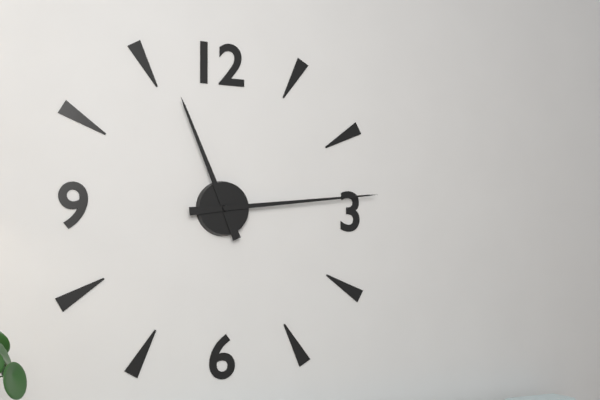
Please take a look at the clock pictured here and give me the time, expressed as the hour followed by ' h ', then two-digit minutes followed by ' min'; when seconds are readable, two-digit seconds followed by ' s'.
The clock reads 11 h 14 min
